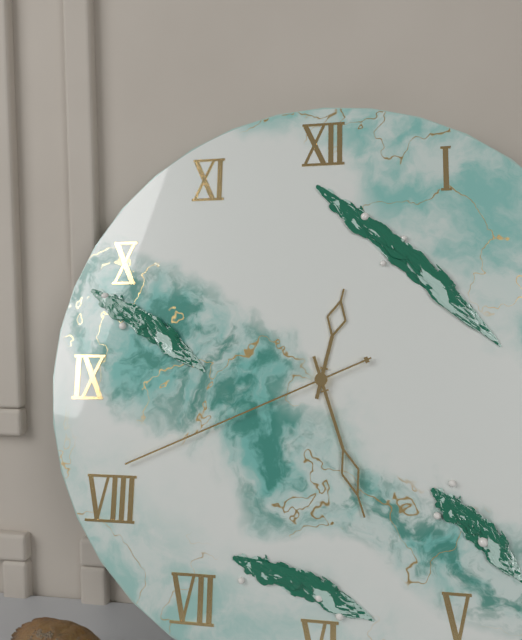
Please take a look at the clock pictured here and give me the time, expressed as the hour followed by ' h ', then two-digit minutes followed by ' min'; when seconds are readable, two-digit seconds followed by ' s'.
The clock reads 12 h 27 min 41 s
